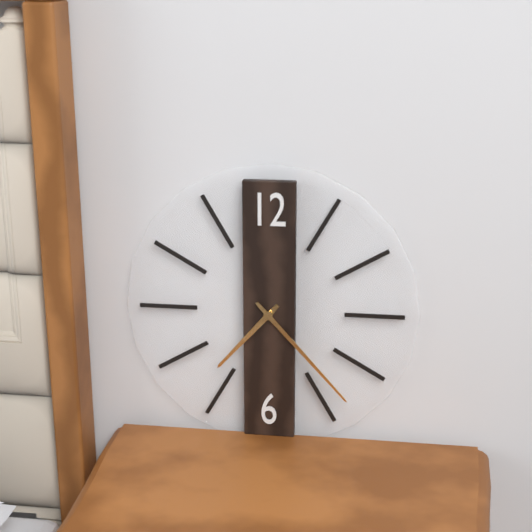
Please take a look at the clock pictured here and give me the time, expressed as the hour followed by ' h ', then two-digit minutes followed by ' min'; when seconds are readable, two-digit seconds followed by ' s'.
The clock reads 7 h 23 min
